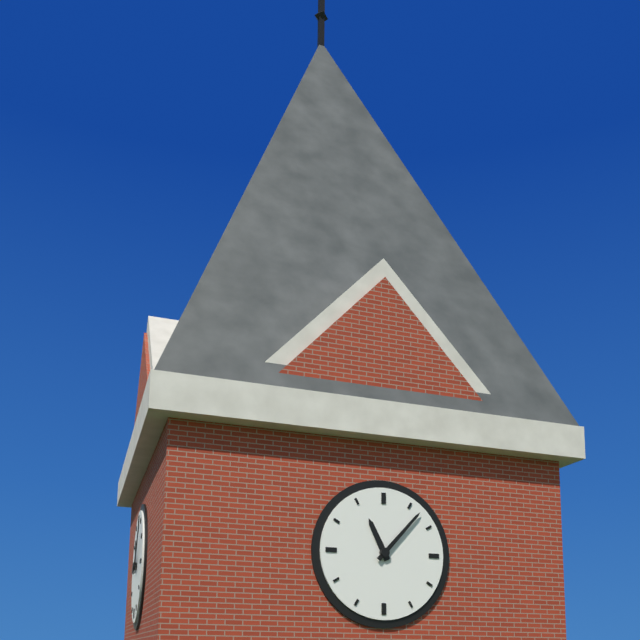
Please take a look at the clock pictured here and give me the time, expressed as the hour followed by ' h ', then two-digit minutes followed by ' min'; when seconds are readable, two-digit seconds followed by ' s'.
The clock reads 11 h 07 min
